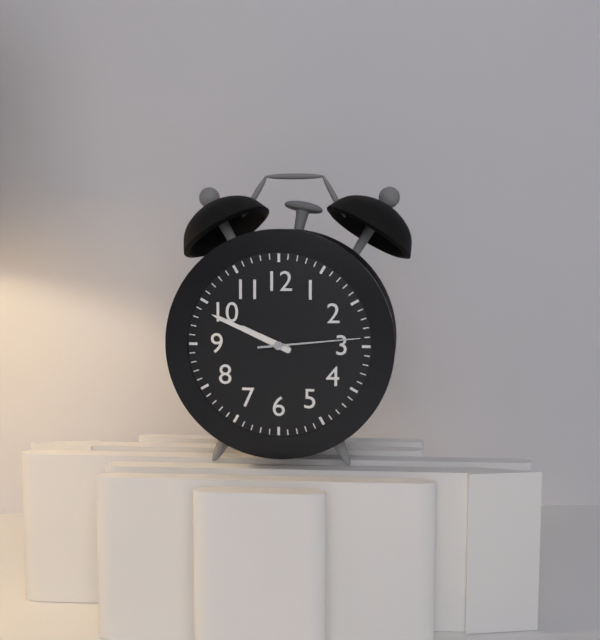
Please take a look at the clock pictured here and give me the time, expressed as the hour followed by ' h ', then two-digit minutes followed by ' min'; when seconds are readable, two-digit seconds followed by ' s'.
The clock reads 9 h 49 min 14 s
